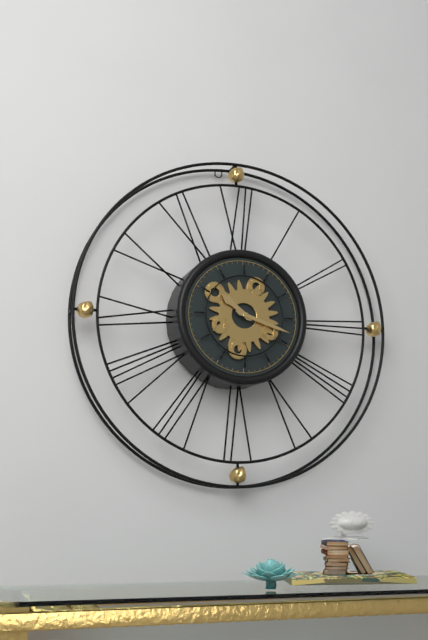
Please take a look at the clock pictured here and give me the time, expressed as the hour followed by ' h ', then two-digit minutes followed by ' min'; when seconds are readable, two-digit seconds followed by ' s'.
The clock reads 10 h 18 min
